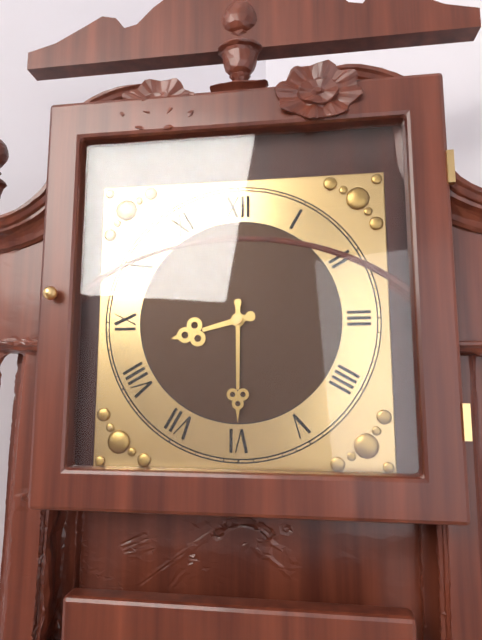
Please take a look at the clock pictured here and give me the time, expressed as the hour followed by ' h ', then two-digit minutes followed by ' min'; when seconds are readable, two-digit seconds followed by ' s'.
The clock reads 8 h 30 min
